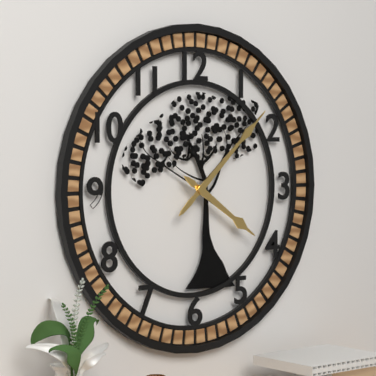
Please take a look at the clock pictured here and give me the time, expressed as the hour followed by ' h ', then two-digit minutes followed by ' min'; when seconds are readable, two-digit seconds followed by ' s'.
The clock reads 4 h 08 min
